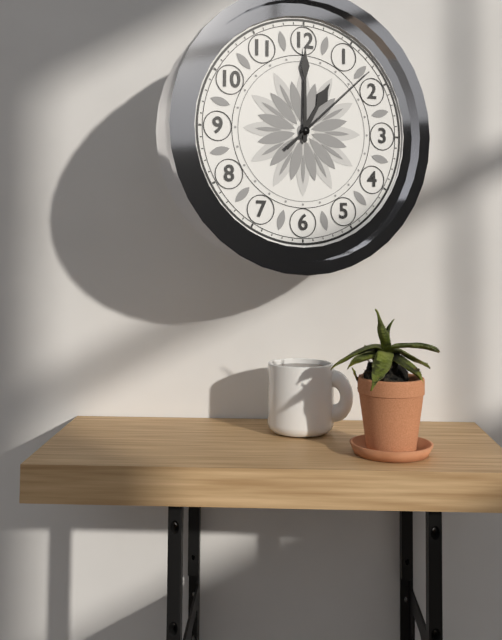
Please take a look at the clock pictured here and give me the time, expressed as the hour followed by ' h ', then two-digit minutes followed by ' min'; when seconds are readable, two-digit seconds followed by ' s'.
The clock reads 1 h 00 min 08 s
